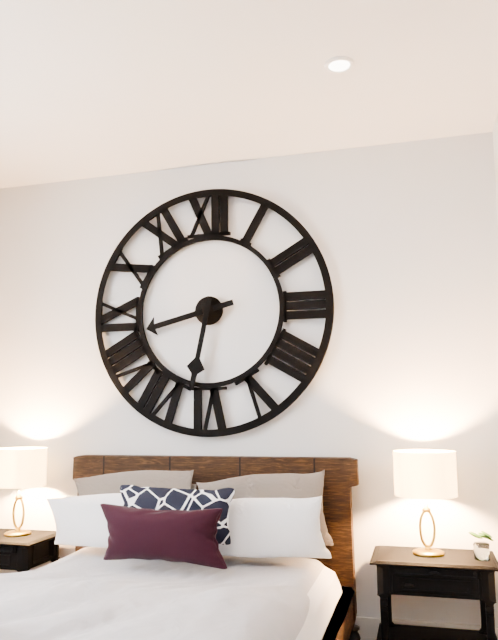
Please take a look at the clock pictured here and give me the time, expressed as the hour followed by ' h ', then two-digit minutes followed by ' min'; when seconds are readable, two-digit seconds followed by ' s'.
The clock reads 8 h 32 min
